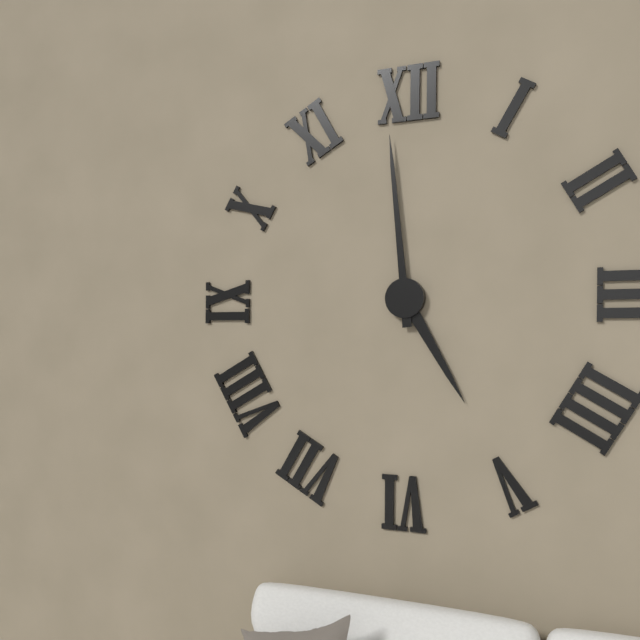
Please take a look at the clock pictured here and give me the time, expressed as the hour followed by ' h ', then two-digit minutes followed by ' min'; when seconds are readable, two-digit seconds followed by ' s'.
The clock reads 4 h 59 min
